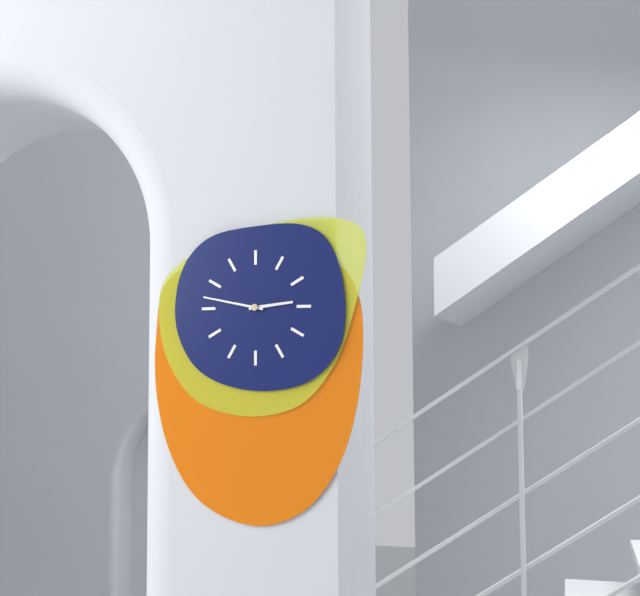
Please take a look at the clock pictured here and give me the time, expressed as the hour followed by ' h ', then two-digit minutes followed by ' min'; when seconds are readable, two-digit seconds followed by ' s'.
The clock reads 2 h 47 min
